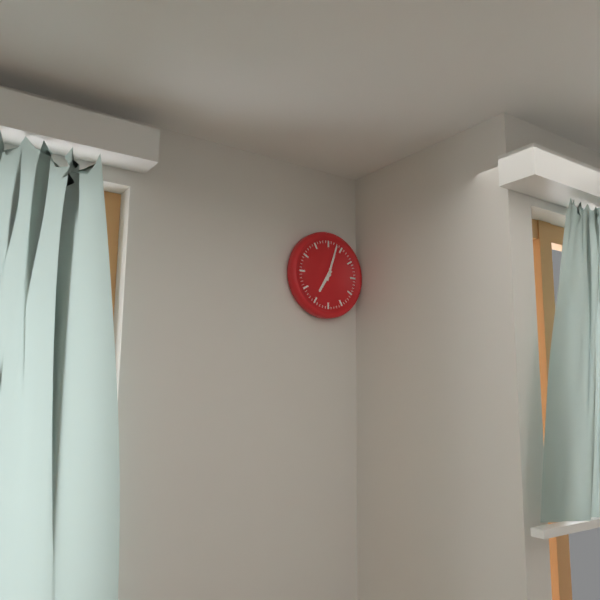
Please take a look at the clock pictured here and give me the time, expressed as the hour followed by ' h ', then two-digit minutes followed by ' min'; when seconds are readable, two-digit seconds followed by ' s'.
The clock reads 7 h 03 min
